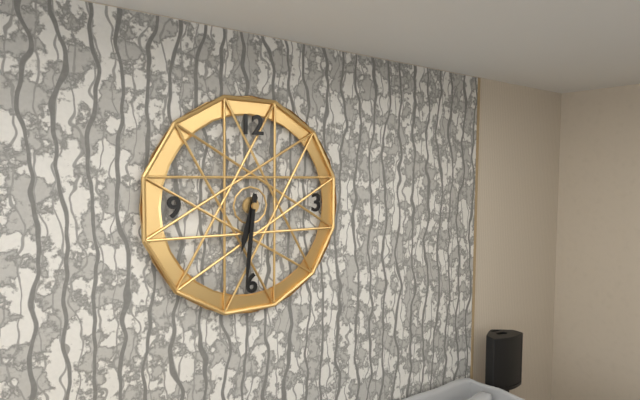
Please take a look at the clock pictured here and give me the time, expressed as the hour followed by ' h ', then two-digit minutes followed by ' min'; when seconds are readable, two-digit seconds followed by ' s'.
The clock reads 6 h 31 min
